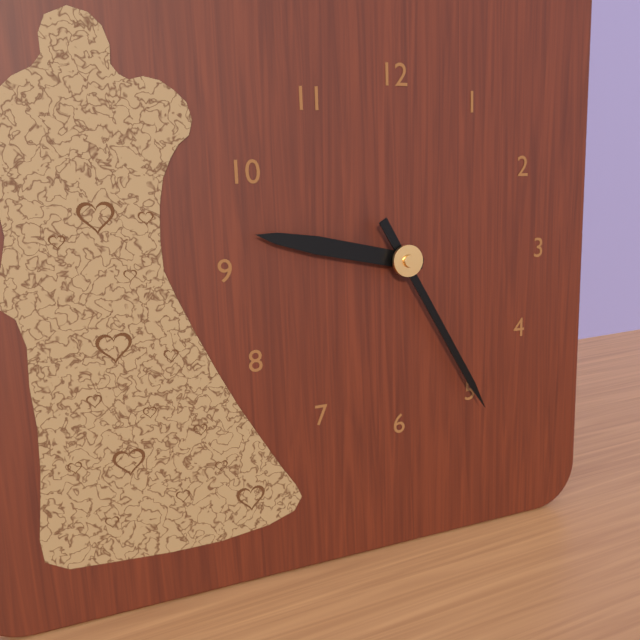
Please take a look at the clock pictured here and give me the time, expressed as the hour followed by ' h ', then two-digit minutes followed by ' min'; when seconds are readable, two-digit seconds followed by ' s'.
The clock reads 9 h 25 min
